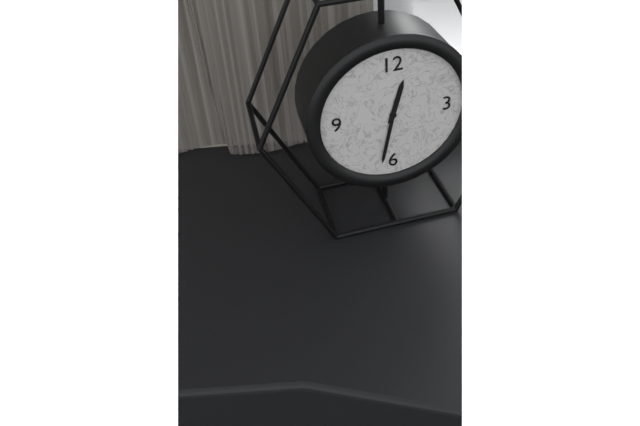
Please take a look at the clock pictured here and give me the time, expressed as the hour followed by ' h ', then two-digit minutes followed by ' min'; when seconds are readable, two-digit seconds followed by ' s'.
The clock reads 12 h 32 min
